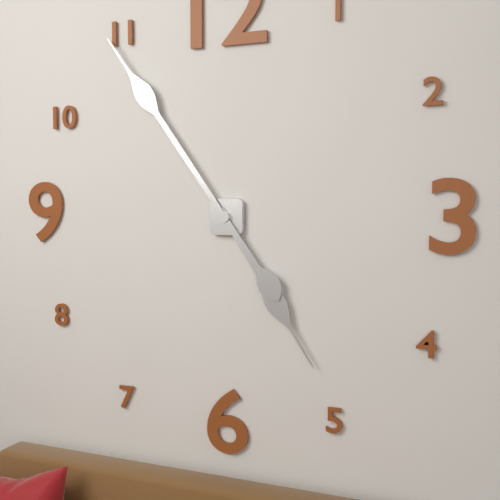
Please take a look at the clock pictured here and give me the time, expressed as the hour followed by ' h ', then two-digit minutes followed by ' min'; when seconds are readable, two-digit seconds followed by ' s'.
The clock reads 4 h 54 min
